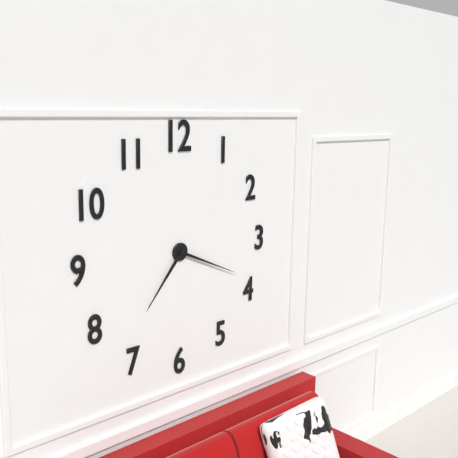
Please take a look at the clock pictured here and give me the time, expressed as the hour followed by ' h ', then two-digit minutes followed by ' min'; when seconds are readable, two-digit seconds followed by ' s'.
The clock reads 7 h 19 min
